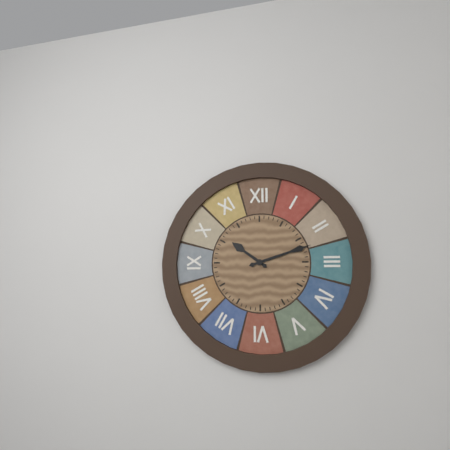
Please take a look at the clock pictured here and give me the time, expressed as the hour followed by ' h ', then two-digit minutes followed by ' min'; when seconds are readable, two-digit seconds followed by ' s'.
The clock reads 10 h 12 min
